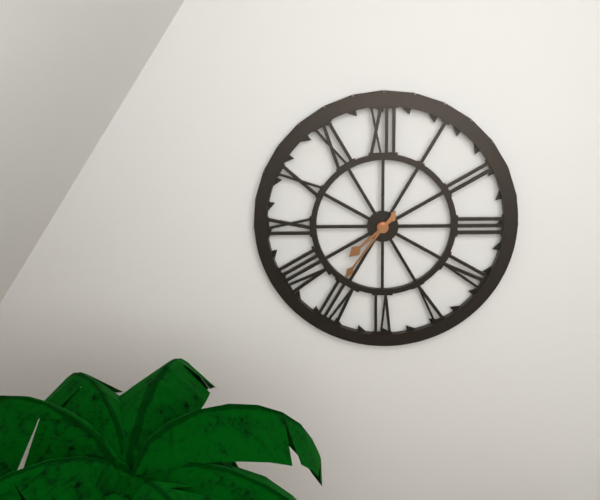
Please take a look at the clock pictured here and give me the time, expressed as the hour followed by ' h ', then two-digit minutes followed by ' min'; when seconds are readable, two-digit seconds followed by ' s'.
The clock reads 7 h 36 min
